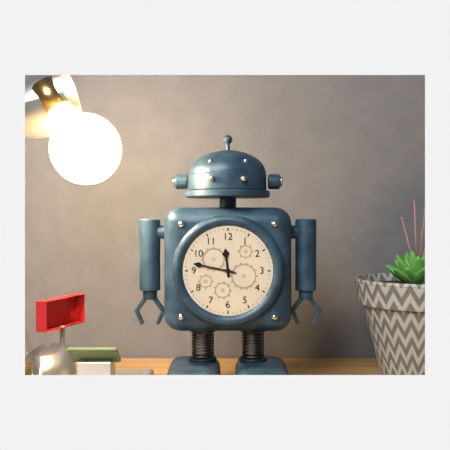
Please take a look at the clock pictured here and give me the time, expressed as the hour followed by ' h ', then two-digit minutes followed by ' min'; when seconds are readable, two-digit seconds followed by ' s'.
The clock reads 11 h 47 min
